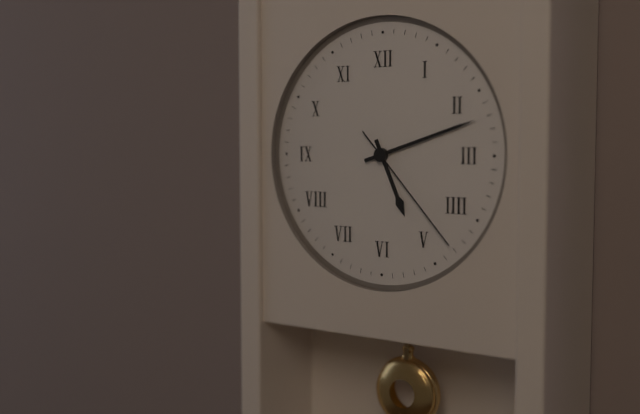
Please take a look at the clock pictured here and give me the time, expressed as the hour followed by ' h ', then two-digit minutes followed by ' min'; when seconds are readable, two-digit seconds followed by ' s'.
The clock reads 5 h 12 min 23 s
